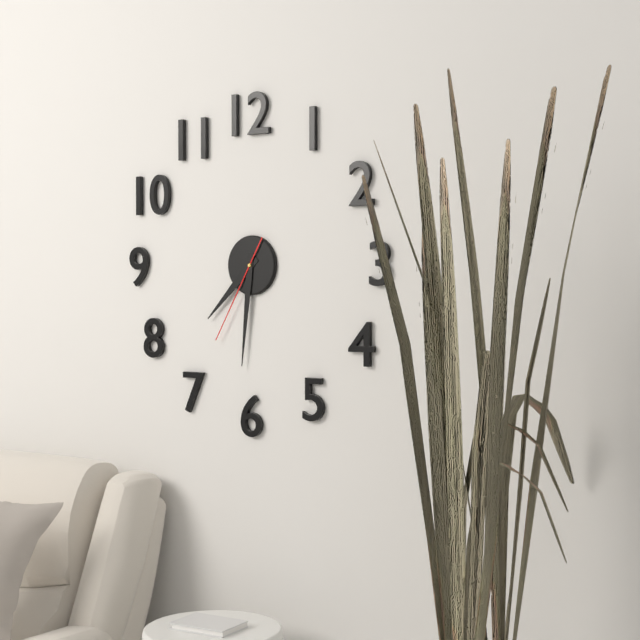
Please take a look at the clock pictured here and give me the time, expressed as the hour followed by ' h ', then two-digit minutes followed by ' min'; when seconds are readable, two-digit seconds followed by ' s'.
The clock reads 7 h 31 min 35 s
